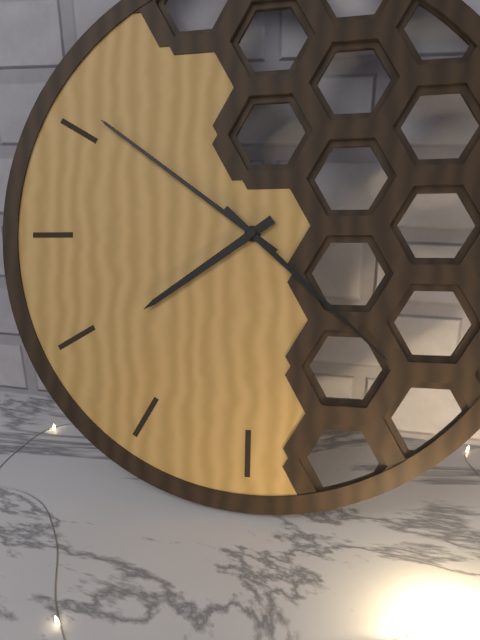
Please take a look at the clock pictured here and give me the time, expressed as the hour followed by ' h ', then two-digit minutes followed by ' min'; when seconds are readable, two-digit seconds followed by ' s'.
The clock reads 7 h 51 min 22 s
